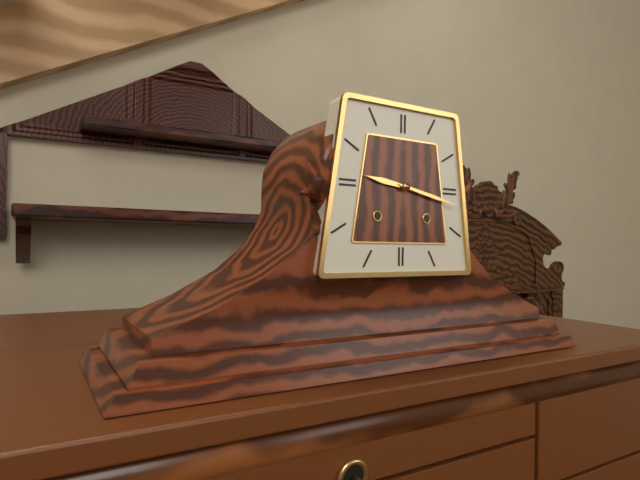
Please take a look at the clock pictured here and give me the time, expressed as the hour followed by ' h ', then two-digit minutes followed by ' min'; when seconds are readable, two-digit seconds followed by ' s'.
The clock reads 9 h 17 min
